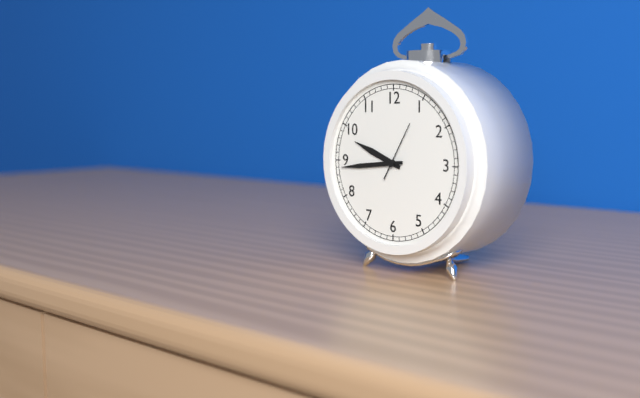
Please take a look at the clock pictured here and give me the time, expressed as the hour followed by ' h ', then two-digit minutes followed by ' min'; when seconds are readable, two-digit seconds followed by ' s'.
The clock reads 9 h 44 min 05 s
